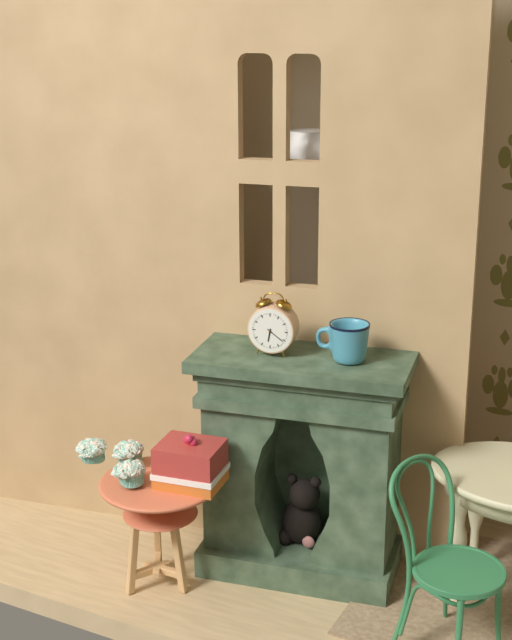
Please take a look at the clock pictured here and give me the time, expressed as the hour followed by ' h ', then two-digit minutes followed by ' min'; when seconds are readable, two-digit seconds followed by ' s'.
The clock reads 6 h 21 min
